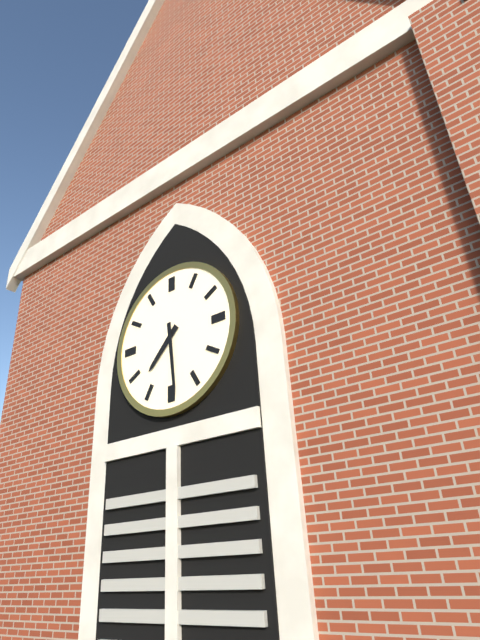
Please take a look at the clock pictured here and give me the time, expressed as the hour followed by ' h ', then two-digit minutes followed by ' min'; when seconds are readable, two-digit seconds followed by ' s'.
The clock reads 7 h 29 min
